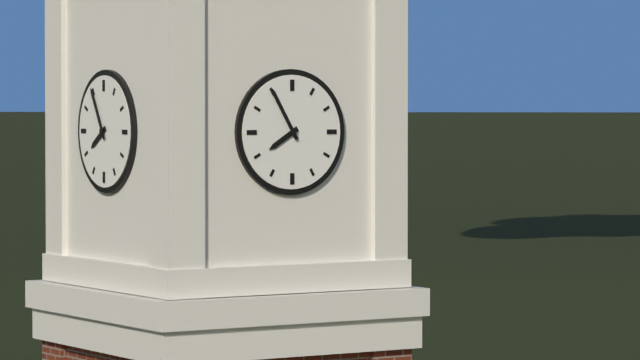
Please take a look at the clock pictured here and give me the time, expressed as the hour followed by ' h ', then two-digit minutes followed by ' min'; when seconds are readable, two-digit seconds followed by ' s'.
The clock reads 7 h 55 min
